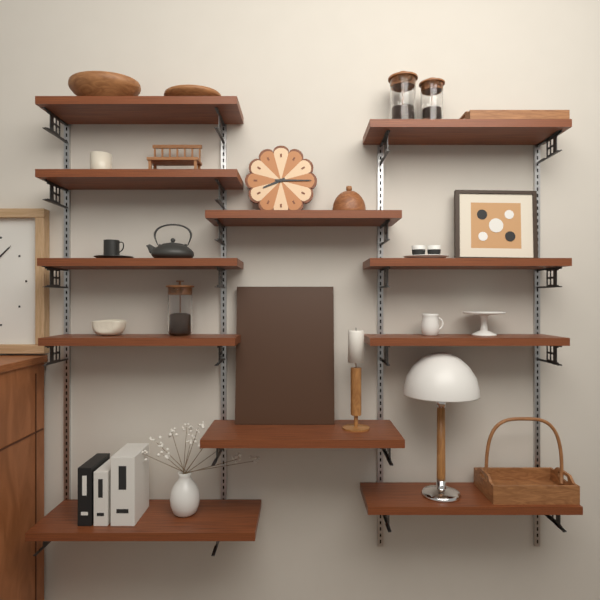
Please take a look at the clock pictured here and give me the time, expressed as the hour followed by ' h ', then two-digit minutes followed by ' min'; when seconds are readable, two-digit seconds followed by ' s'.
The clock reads 8 h 15 min
